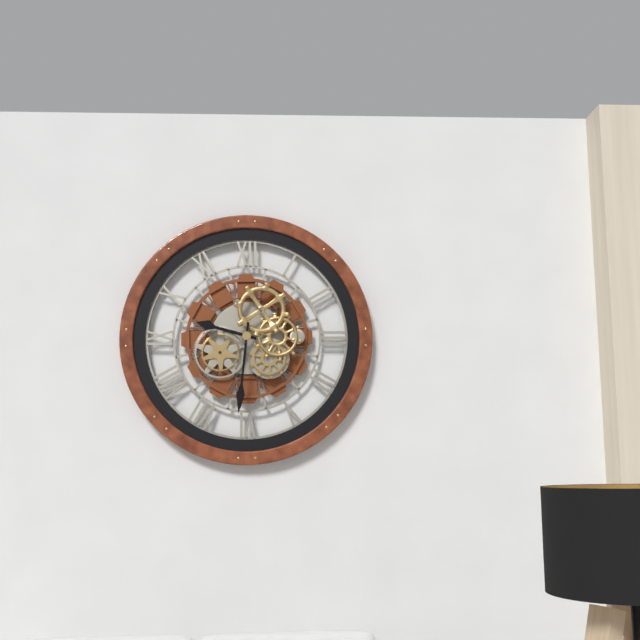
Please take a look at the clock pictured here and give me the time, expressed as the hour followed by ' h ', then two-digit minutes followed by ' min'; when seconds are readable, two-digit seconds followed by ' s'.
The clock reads 9 h 31 min
